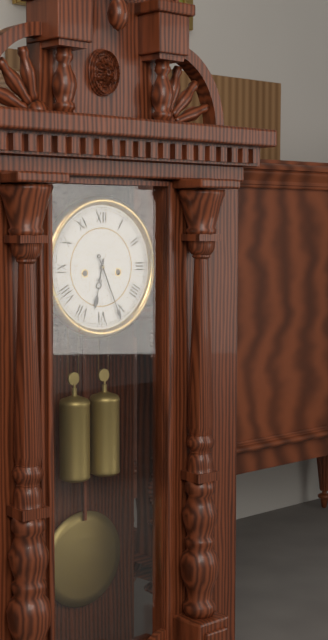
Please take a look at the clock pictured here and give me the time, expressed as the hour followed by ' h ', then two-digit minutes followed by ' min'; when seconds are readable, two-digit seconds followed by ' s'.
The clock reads 6 h 26 min
